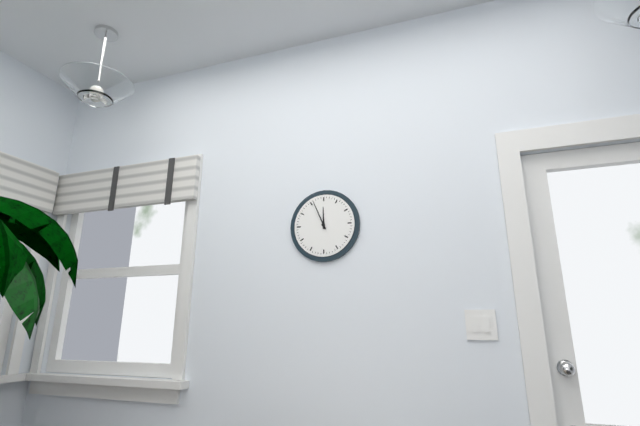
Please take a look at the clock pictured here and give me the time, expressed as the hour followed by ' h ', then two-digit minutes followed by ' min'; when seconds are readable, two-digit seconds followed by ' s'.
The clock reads 11 h 56 min
